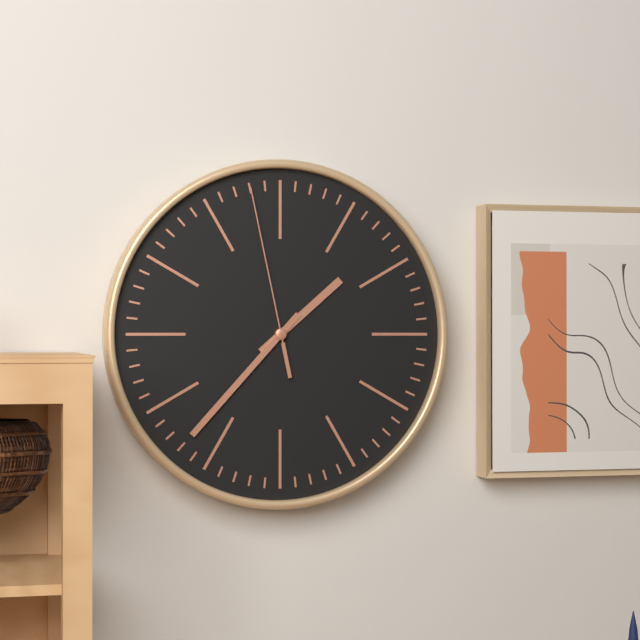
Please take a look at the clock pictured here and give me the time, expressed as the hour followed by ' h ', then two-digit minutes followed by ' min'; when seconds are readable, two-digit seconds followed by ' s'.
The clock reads 1 h 37 min 58 s
